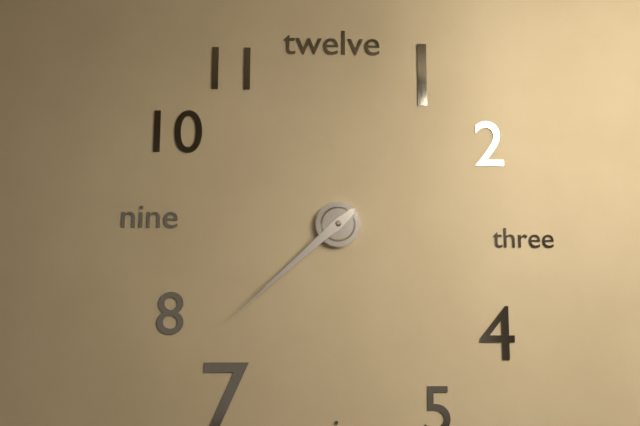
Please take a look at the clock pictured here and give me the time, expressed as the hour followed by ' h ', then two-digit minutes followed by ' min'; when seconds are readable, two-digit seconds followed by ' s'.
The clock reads 7 h 38 min
